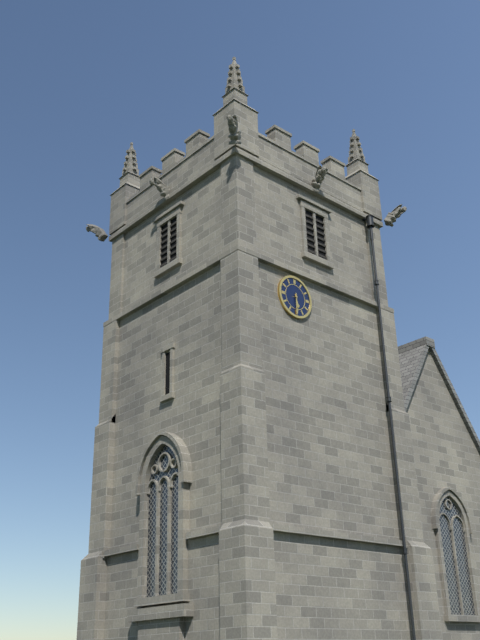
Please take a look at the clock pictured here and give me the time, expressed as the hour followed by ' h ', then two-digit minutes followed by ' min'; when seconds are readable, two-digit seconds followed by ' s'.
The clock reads 5 h 30 min
